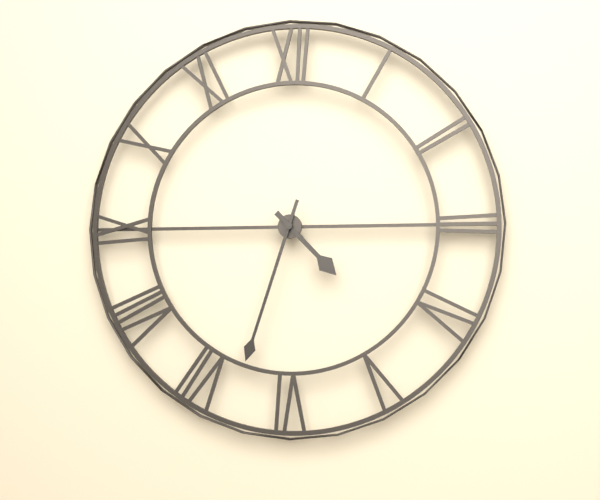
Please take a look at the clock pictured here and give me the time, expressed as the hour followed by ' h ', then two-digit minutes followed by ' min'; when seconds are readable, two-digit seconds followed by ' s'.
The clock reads 4 h 33 min
